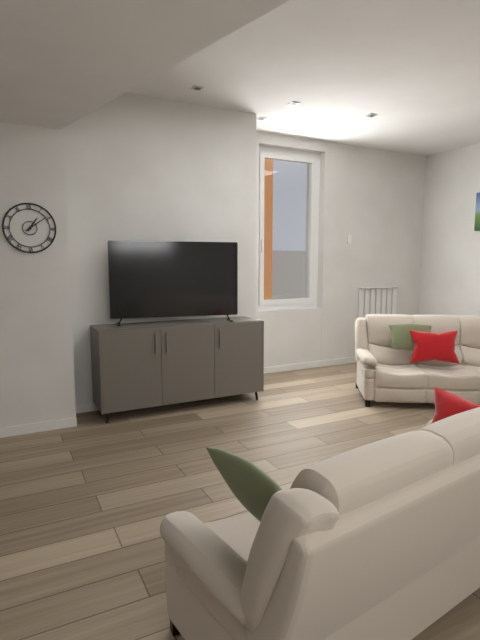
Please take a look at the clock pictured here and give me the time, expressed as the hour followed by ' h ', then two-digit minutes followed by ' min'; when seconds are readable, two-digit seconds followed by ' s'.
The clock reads 1 h 09 min
